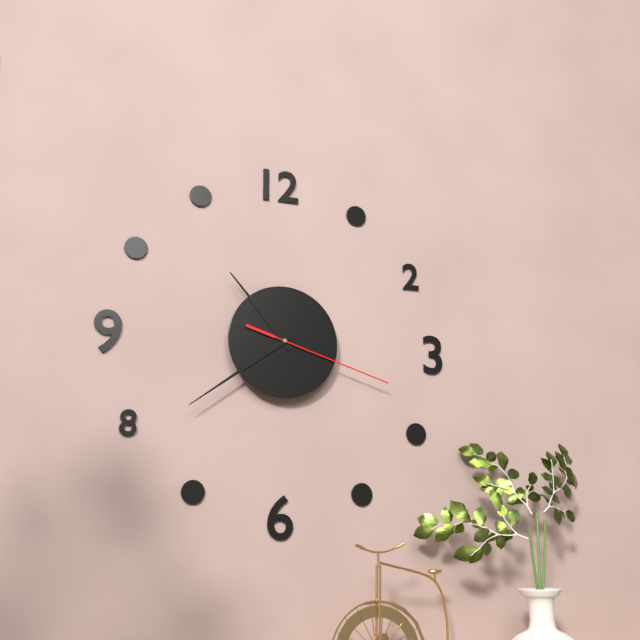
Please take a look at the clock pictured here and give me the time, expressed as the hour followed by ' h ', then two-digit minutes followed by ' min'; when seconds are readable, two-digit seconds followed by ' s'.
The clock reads 10 h 39 min 18 s
